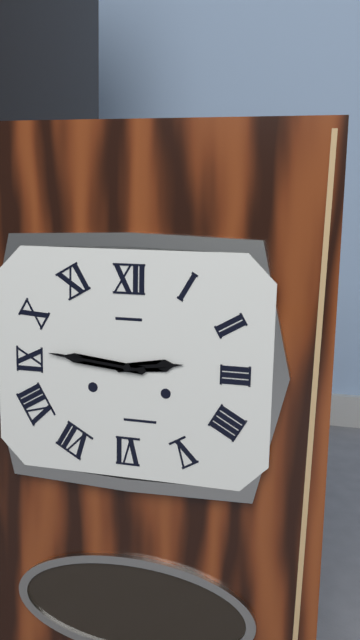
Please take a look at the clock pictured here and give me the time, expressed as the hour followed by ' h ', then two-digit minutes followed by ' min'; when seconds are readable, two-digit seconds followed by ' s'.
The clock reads 2 h 46 min
